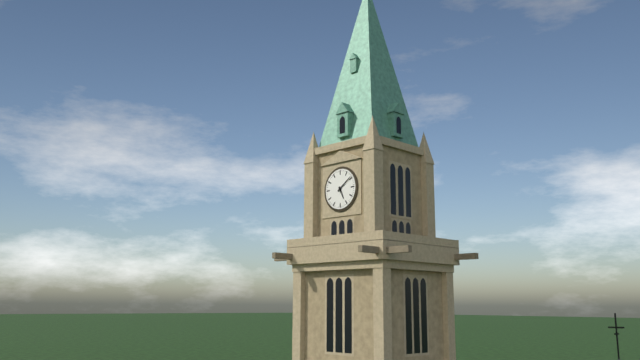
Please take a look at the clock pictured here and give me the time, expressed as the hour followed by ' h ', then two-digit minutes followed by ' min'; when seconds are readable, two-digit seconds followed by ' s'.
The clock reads 5 h 09 min
